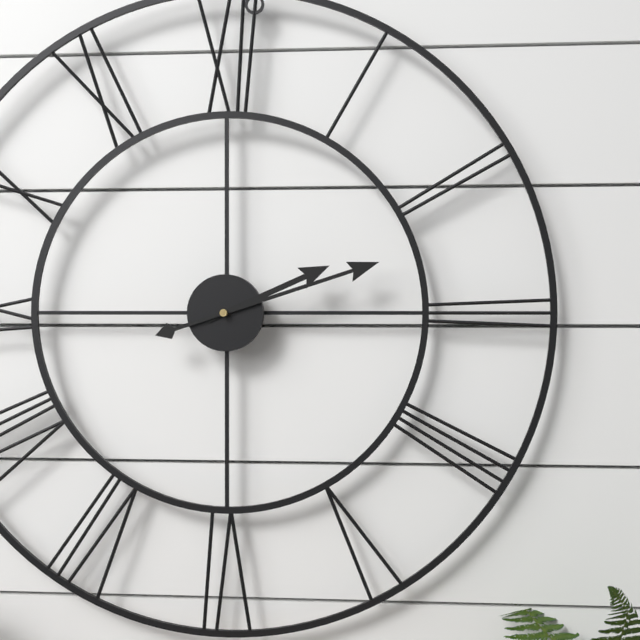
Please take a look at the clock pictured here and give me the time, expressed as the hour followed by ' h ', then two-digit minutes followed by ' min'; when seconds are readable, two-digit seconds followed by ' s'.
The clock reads 2 h 12 min
